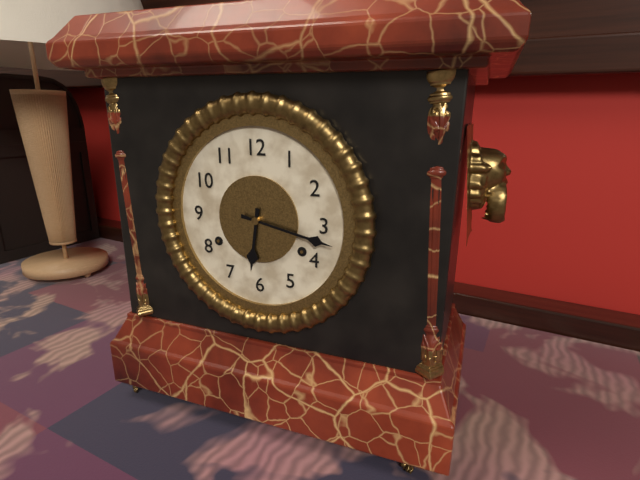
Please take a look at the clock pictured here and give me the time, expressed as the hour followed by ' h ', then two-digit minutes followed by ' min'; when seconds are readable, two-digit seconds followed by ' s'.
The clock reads 6 h 17 min
